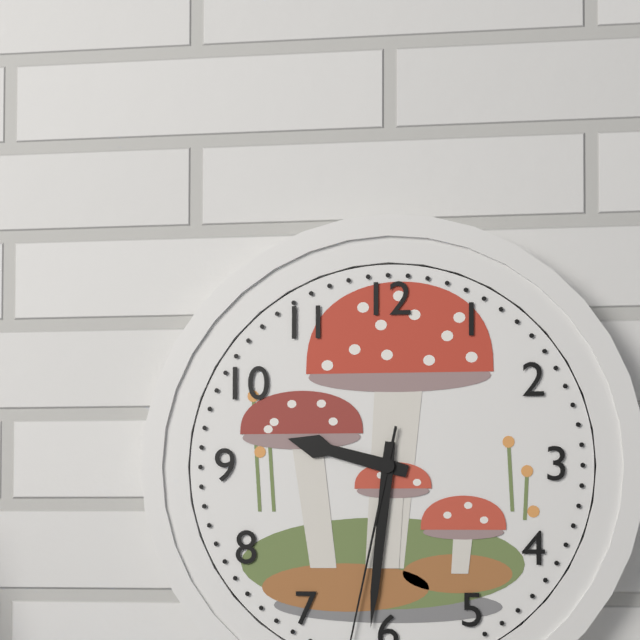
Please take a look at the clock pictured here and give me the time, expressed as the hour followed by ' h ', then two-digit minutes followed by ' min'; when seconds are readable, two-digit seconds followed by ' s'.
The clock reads 9 h 31 min
